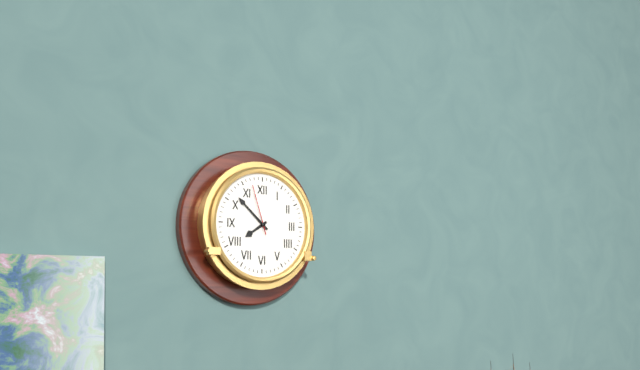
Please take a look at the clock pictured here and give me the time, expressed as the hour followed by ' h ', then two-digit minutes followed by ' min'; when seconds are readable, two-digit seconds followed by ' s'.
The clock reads 7 h 52 min 57 s
